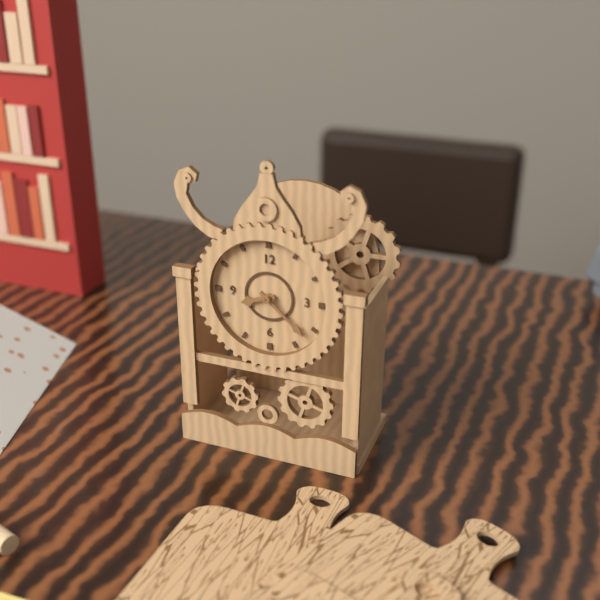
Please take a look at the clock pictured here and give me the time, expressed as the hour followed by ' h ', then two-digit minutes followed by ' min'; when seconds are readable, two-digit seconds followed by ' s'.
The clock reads 8 h 22 min
